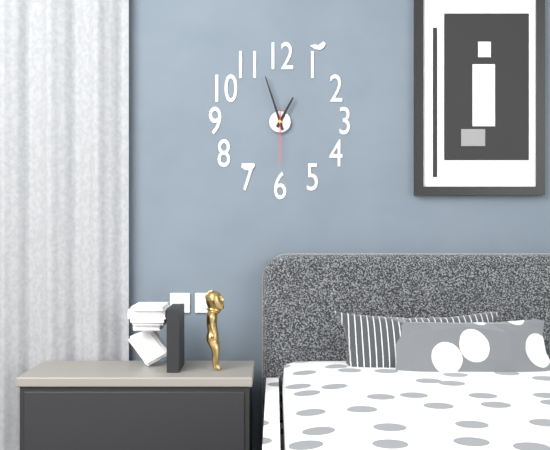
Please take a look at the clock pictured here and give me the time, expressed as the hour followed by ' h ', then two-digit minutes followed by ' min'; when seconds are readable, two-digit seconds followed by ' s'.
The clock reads 12 h 57 min 30 s
